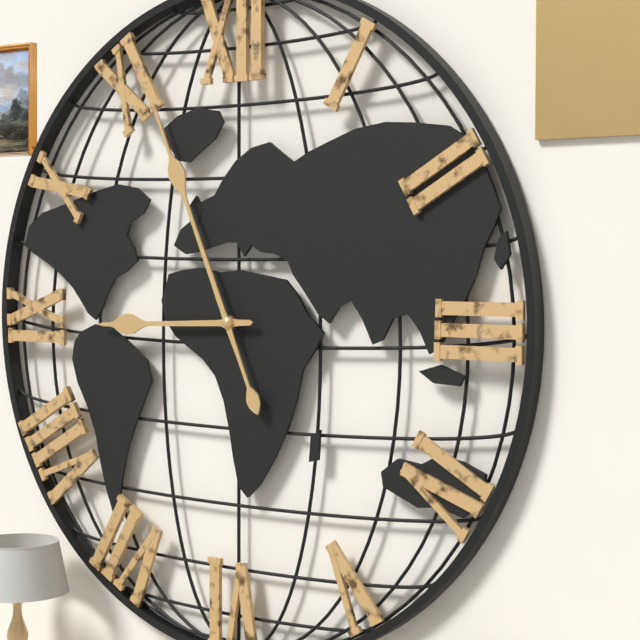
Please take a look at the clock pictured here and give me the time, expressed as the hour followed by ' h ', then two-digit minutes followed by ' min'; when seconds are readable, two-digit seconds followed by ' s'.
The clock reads 8 h 56 min
